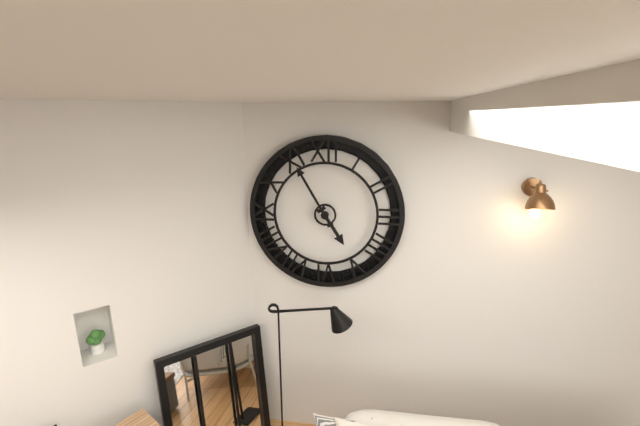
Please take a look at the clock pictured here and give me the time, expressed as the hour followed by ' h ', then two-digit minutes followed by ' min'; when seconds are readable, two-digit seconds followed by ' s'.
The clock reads 4 h 55 min
